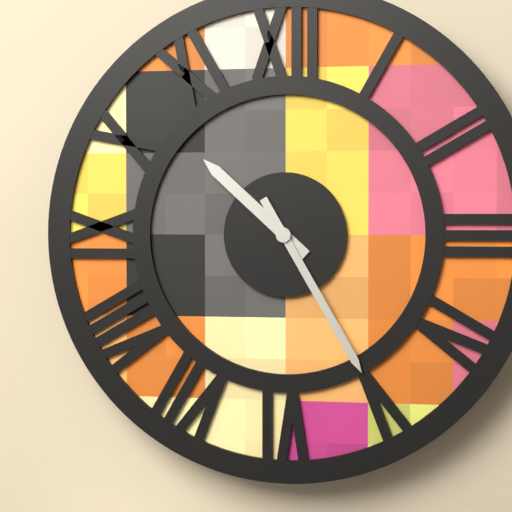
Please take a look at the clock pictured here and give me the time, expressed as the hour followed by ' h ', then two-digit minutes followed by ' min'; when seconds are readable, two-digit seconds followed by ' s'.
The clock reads 10 h 25 min
